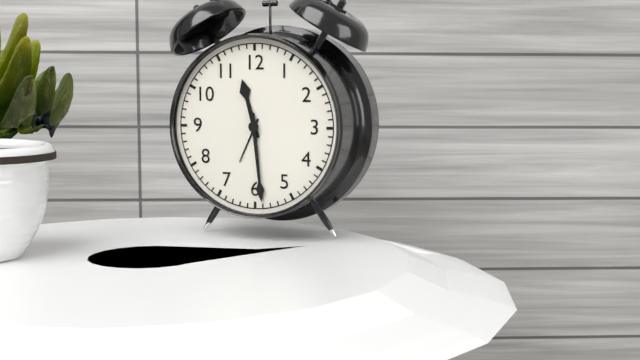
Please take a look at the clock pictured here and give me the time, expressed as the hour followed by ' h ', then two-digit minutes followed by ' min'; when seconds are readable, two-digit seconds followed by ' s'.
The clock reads 11 h 29 min
